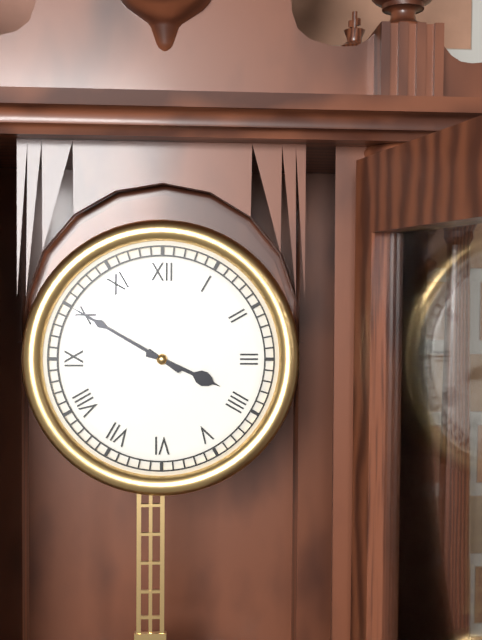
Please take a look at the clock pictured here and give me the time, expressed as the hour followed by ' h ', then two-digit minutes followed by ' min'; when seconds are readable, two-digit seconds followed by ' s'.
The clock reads 3 h 50 min
